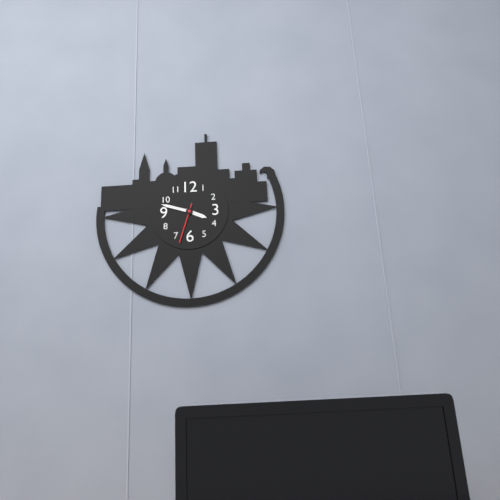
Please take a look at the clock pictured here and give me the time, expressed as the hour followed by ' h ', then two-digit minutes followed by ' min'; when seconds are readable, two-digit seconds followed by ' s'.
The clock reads 3 h 48 min
